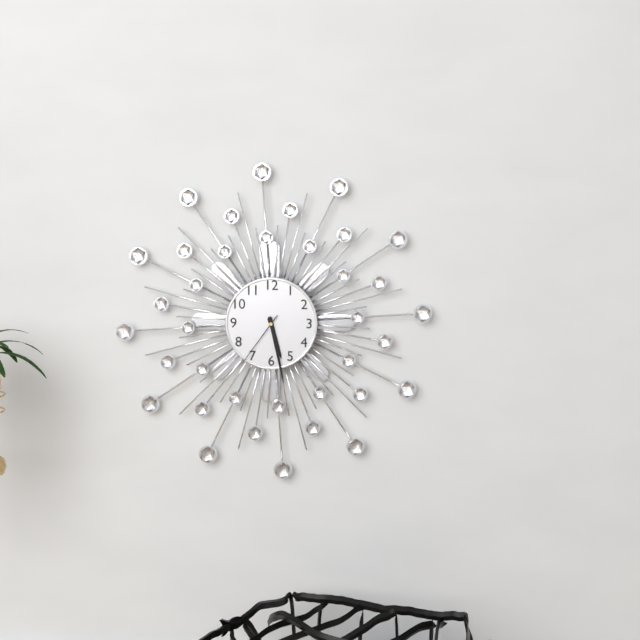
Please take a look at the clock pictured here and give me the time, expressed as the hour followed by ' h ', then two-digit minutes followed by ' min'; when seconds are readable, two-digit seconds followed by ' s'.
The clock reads 5 h 28 min 36 s
